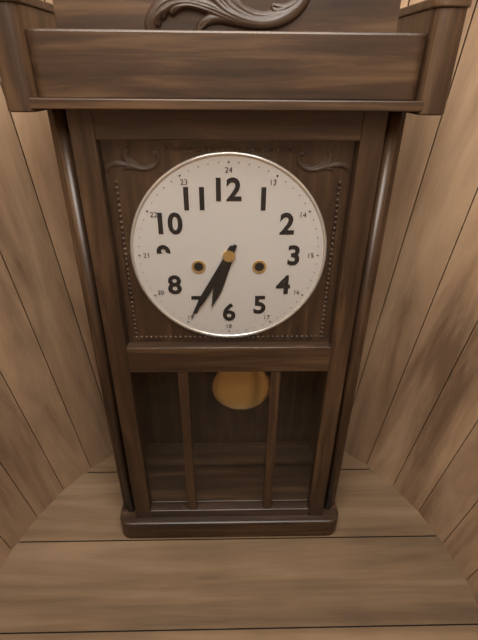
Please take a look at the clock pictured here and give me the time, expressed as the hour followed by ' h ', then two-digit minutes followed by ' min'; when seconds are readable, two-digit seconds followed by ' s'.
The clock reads 6 h 35 min
